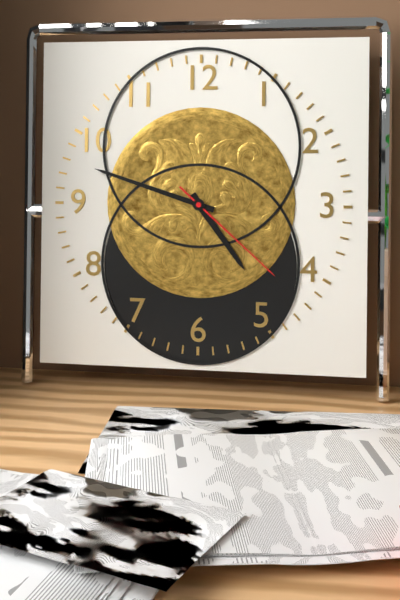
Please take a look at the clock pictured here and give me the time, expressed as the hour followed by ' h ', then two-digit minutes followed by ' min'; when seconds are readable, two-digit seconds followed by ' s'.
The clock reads 4 h 48 min 22 s
